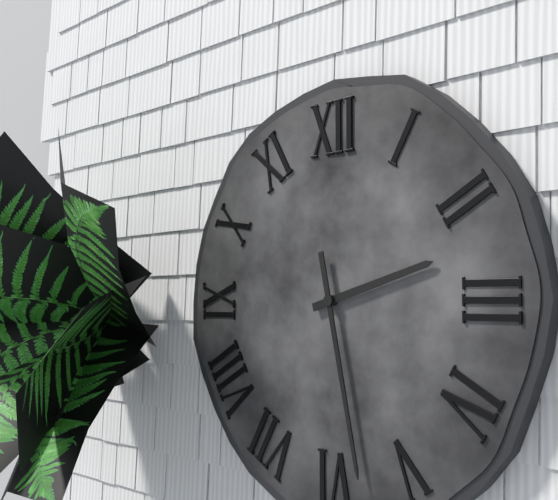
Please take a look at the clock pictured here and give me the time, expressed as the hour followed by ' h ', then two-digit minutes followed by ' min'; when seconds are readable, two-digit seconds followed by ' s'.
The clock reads 2 h 28 min
